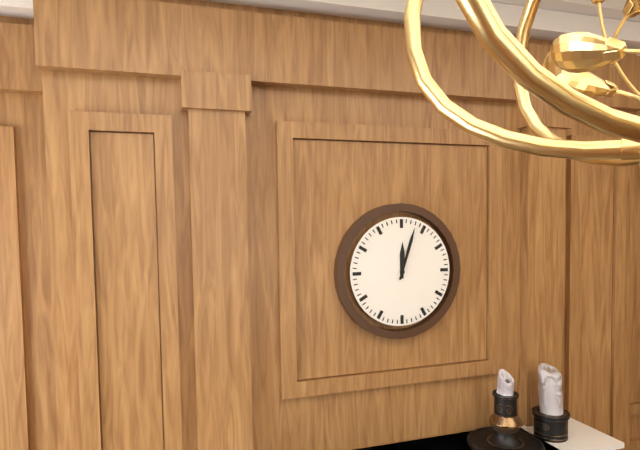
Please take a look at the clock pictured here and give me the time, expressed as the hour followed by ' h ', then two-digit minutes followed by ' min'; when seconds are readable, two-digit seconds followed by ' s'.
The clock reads 12 h 03 min
